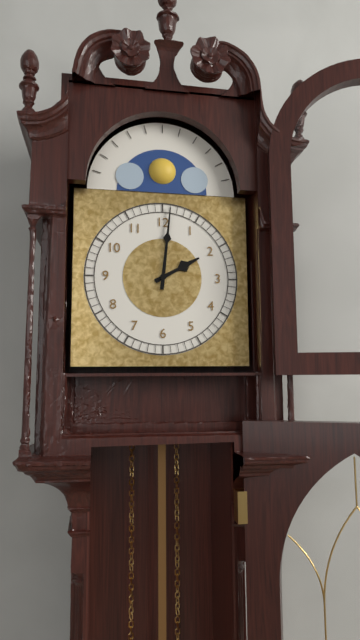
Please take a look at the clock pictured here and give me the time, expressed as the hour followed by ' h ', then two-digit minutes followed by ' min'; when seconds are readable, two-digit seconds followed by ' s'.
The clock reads 2 h 01 min
